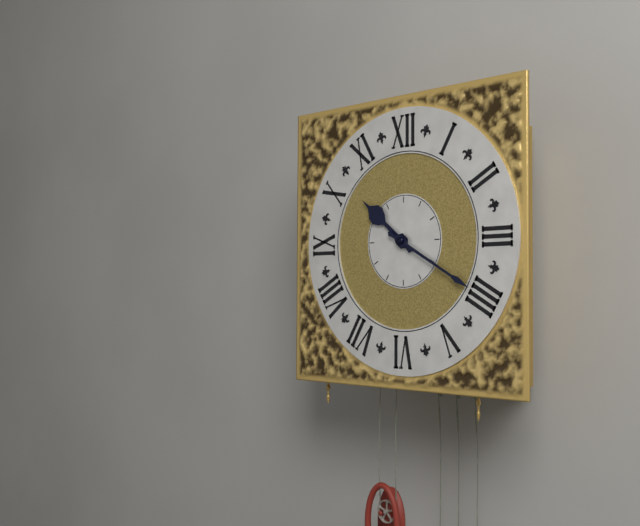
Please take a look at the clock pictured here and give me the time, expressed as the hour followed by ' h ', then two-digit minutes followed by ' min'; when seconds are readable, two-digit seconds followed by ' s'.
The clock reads 10 h 20 min
